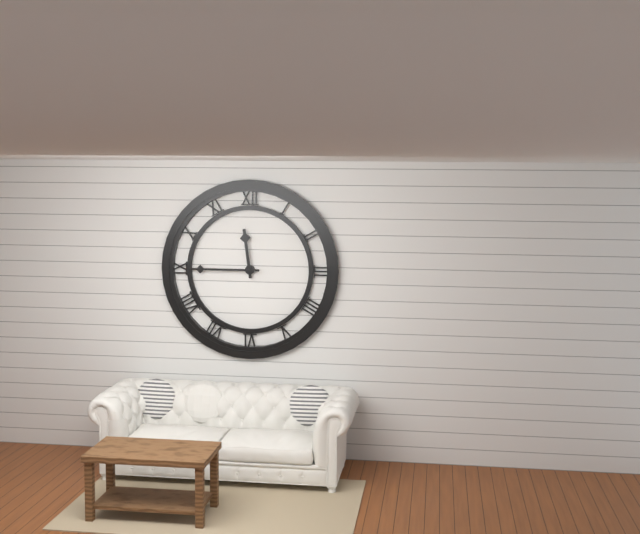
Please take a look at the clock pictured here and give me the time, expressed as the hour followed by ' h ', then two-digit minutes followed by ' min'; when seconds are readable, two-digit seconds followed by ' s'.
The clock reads 11 h 45 min
